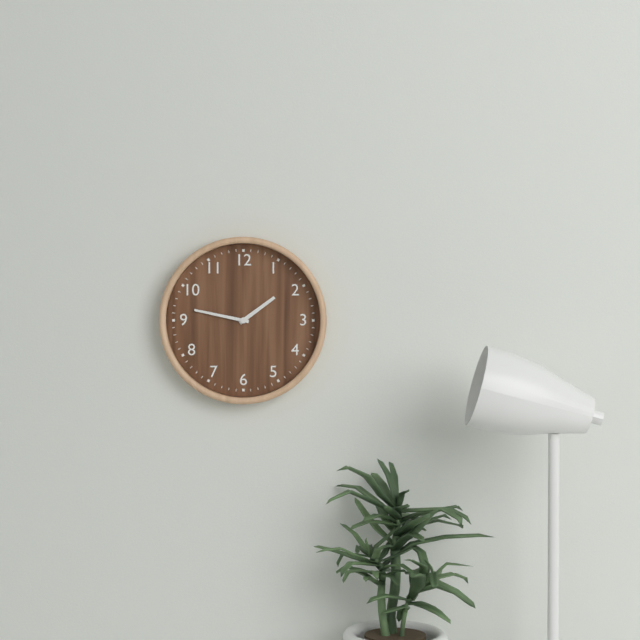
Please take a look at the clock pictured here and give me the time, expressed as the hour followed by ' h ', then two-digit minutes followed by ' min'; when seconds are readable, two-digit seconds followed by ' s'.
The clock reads 1 h 47 min
